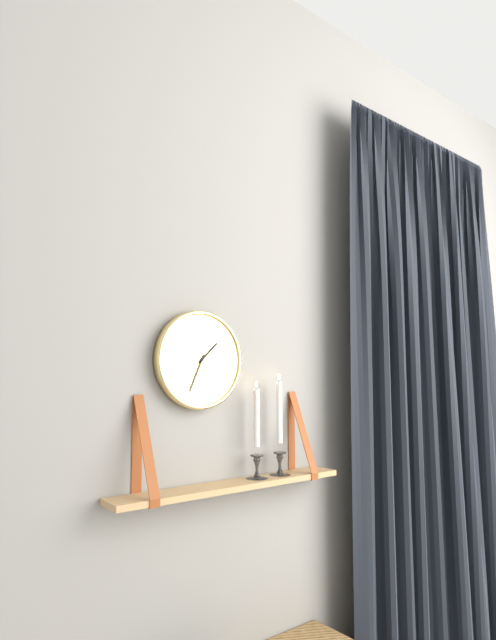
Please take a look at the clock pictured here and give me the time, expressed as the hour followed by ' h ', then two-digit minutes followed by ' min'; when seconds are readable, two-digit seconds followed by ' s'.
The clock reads 1 h 34 min
